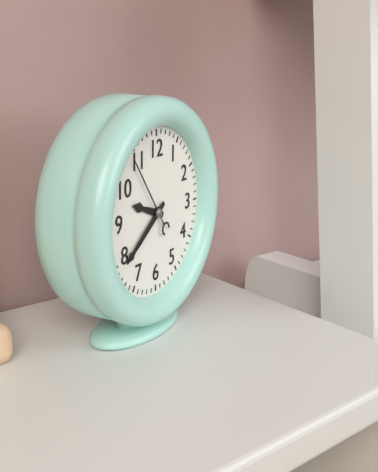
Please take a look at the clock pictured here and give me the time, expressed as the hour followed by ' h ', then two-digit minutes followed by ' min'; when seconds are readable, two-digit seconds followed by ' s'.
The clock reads 9 h 39 min 54 s
